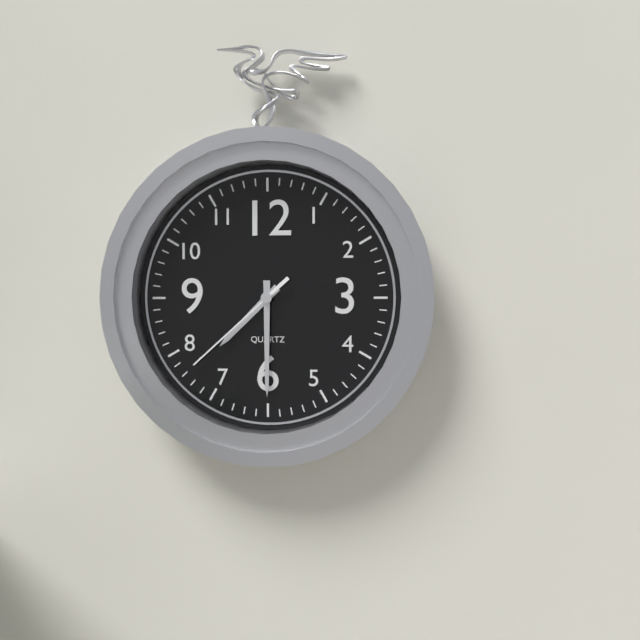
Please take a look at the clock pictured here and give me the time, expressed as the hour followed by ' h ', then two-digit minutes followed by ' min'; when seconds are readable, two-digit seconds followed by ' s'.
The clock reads 7 h 30 min 38 s
